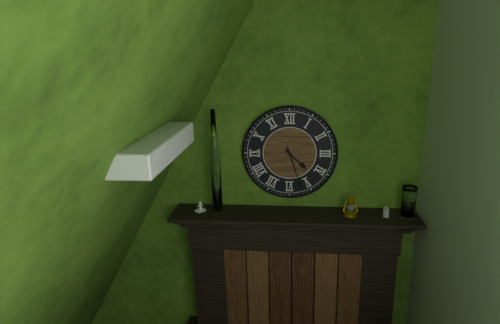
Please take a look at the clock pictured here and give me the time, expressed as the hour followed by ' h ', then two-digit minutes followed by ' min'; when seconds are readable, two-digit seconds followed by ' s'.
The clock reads 4 h 27 min
